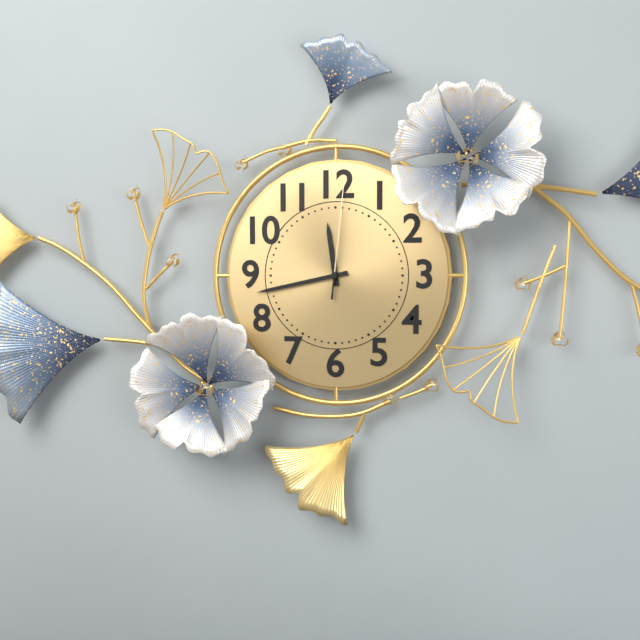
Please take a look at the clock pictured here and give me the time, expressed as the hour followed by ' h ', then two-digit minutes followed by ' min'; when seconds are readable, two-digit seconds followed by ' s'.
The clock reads 11 h 43 min 01 s
